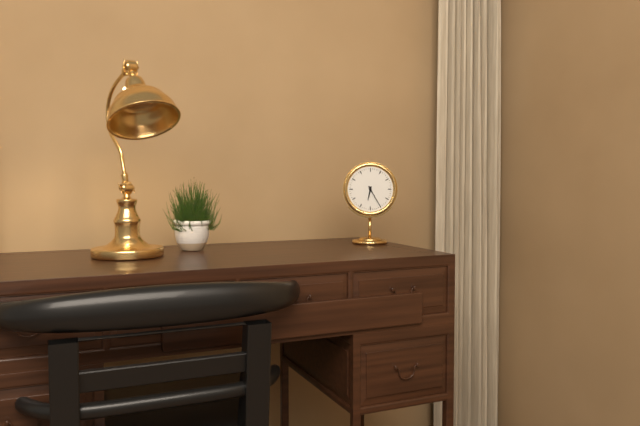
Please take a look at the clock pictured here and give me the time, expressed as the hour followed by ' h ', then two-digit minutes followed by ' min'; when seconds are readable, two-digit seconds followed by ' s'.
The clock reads 6 h 25 min
